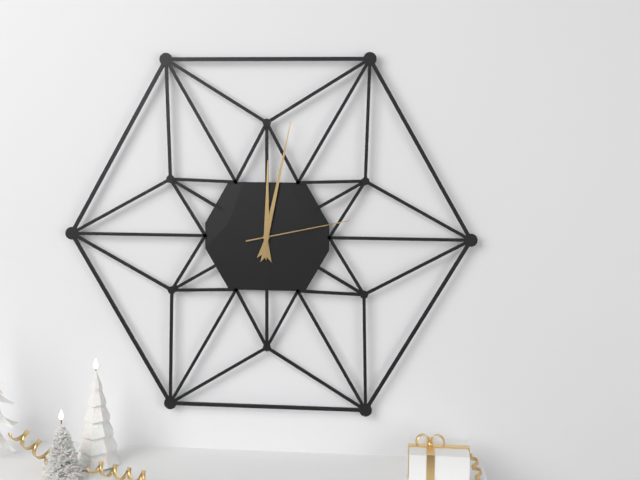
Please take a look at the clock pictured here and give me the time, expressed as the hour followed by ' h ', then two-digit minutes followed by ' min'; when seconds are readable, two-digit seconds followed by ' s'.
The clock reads 12 h 02 min 13 s
